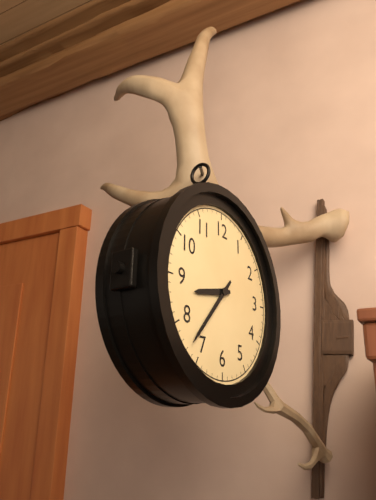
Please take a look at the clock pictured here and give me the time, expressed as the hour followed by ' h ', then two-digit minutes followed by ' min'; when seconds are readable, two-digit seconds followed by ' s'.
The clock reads 8 h 37 min
